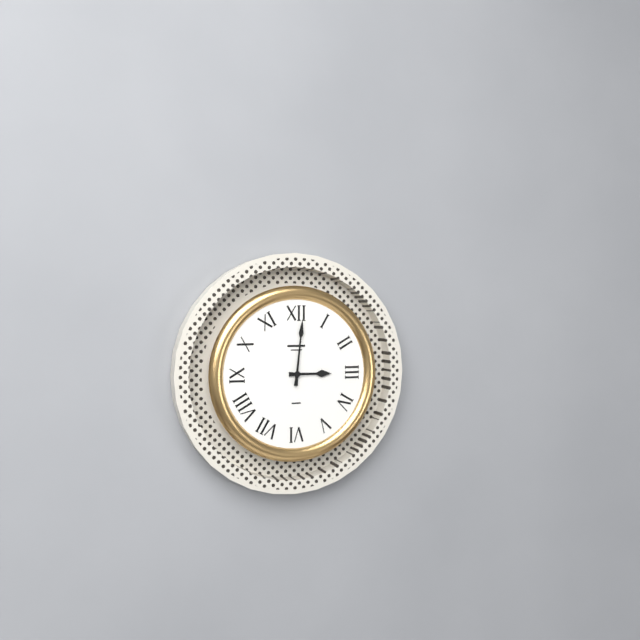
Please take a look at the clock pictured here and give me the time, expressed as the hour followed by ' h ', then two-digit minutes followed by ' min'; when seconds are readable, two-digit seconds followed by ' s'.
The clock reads 3 h 01 min
